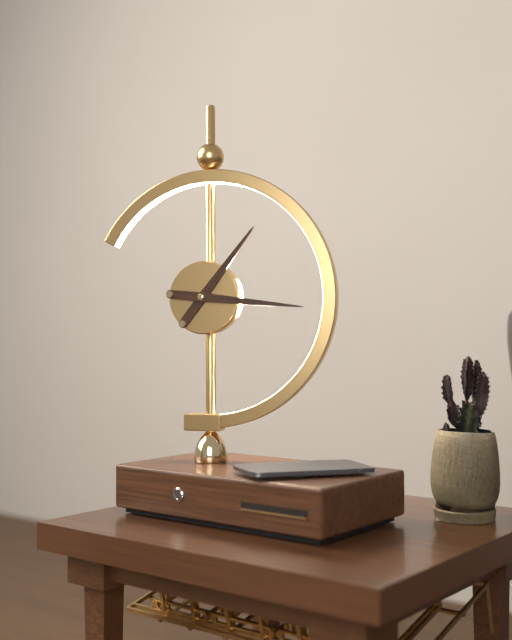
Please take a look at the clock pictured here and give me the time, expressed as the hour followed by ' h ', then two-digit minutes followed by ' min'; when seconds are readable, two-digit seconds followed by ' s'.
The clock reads 1 h 16 min
